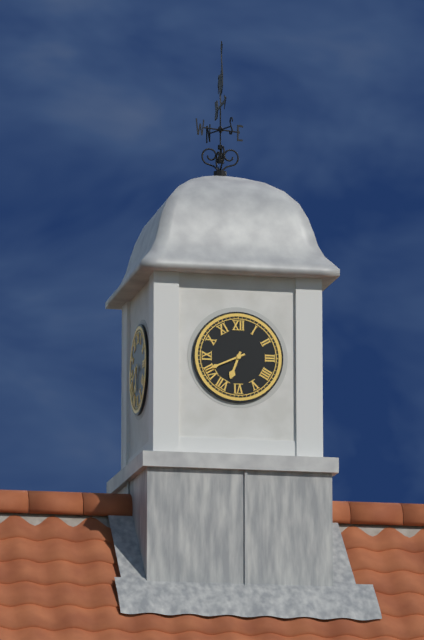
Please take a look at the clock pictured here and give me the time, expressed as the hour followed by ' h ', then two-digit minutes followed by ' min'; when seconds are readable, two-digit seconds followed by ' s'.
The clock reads 6 h 41 min
